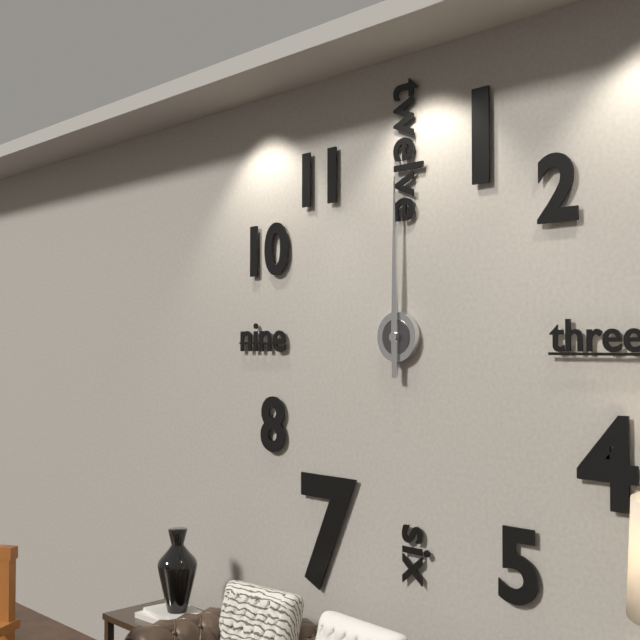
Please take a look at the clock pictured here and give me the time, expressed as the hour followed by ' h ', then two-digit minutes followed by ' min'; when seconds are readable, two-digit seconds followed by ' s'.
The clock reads 12 h 00 min
